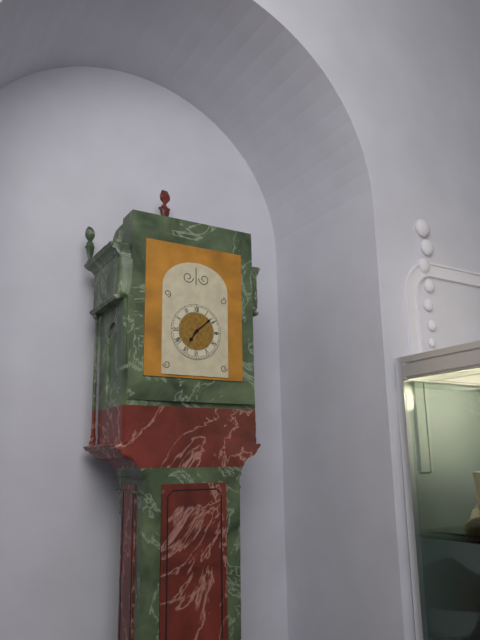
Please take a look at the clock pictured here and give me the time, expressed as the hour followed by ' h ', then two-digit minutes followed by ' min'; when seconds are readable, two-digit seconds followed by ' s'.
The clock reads 7 h 08 min
